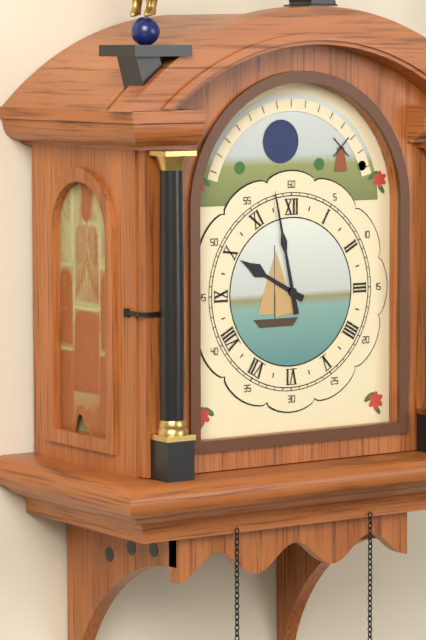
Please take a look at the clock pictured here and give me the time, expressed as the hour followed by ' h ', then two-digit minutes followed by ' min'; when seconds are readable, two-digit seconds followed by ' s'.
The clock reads 9 h 58 min
